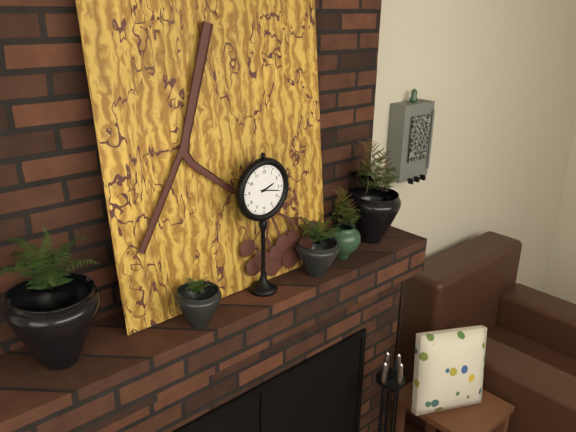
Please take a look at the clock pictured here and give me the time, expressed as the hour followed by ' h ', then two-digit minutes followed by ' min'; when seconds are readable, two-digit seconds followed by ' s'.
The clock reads 2 h 17 min
